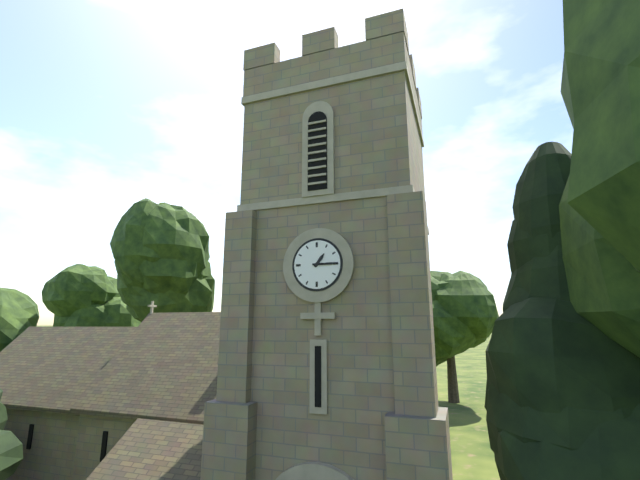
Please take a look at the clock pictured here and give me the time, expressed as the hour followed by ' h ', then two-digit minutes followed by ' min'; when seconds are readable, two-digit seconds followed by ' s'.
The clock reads 1 h 15 min
